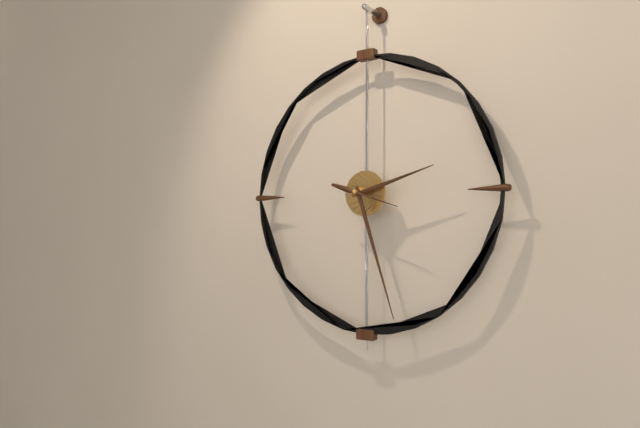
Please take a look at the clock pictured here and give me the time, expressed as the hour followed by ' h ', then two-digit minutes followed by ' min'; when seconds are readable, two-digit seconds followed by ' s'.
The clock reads 2 h 27 min 18 s
